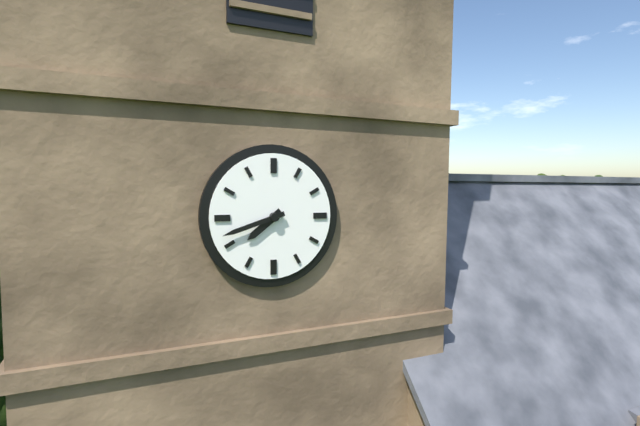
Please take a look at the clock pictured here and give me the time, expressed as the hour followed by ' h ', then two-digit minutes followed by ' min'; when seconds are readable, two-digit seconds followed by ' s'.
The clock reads 7 h 42 min
